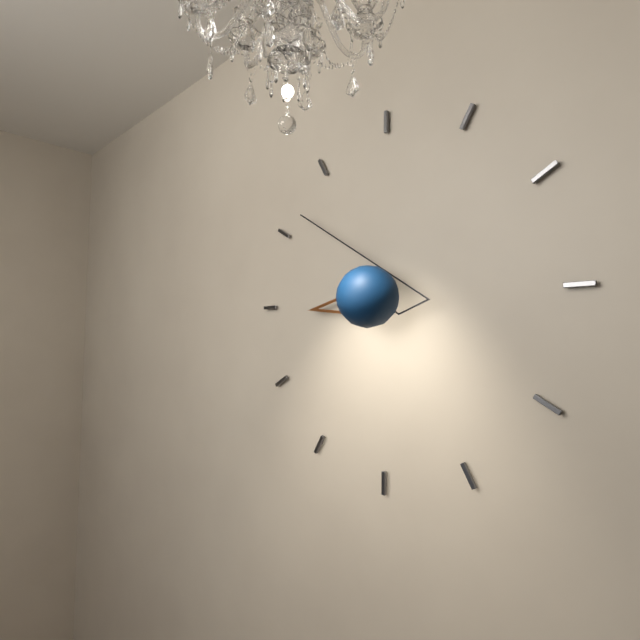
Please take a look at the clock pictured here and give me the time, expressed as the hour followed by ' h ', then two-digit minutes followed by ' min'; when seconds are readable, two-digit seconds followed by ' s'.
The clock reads 8 h 52 min
